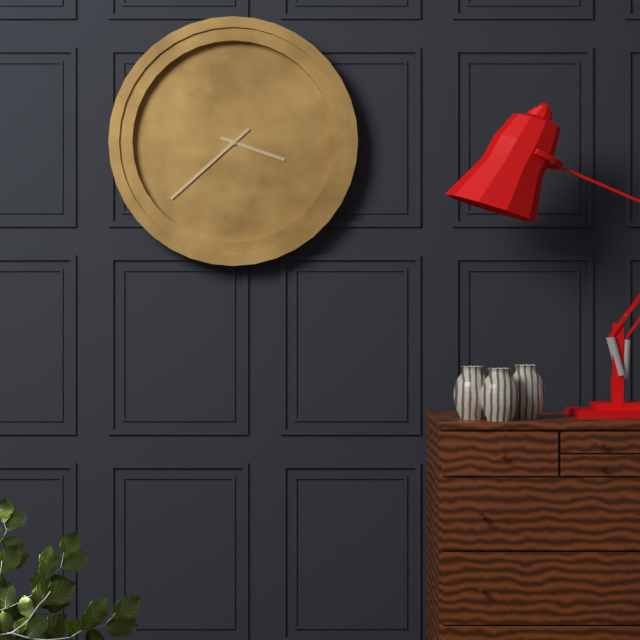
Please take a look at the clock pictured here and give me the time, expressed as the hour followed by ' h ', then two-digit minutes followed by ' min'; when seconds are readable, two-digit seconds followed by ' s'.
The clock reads 3 h 38 min
